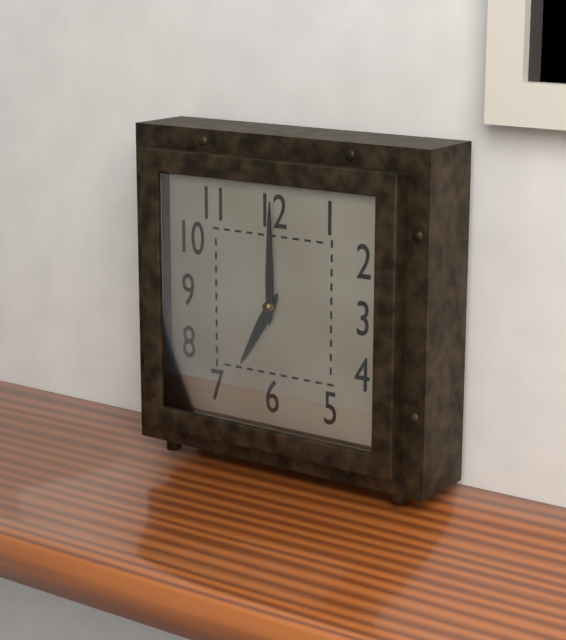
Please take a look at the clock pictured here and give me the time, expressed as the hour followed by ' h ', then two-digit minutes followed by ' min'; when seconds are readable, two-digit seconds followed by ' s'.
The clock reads 7 h 00 min
